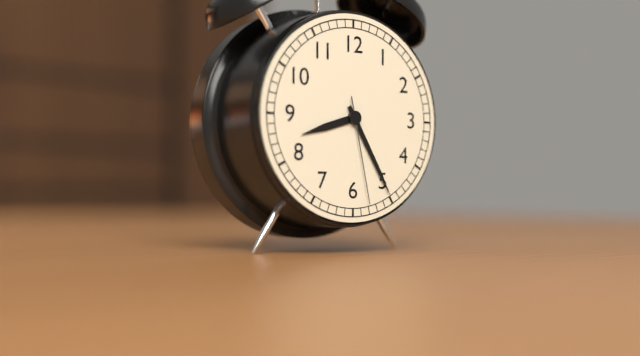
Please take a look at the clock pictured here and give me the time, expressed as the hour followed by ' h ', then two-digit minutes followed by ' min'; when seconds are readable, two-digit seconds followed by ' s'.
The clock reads 8 h 25 min 28 s
